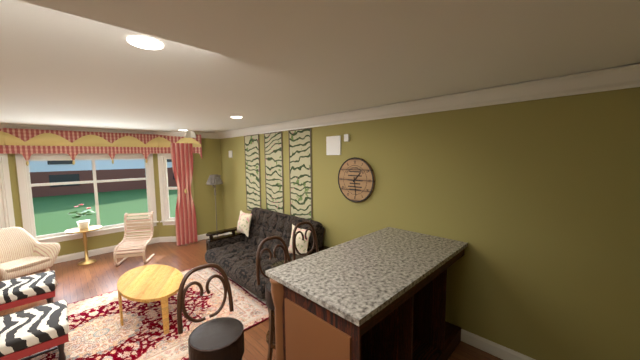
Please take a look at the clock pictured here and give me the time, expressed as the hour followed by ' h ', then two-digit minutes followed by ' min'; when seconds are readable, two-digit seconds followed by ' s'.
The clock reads 1 h 29 min
